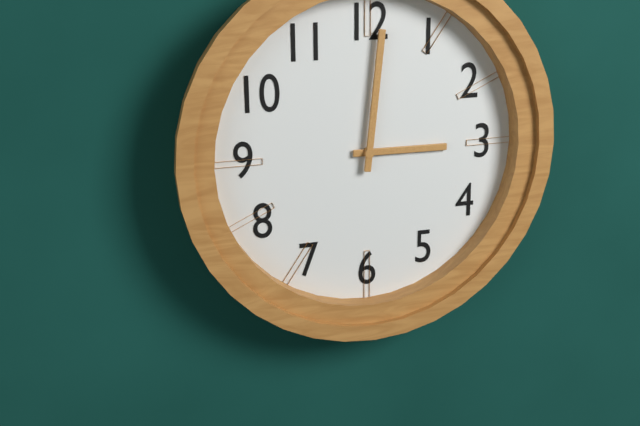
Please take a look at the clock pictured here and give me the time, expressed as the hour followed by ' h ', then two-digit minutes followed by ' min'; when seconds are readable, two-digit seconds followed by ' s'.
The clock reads 3 h 01 min
